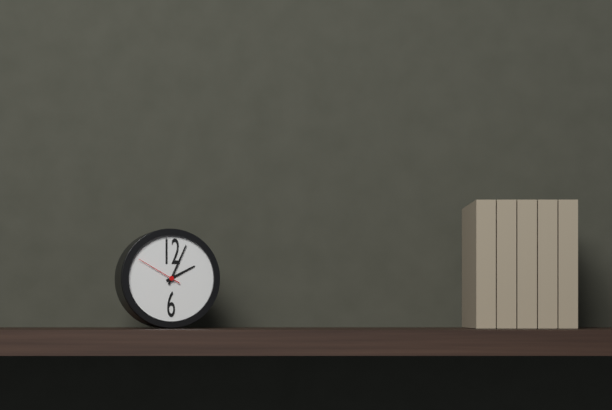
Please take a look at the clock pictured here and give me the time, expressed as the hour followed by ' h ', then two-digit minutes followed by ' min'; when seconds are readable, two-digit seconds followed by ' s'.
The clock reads 2 h 04 min
